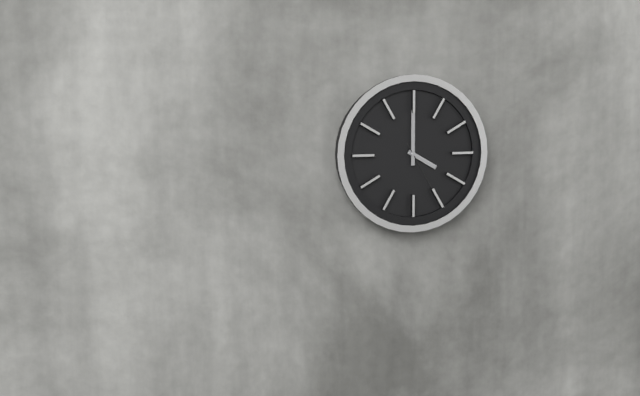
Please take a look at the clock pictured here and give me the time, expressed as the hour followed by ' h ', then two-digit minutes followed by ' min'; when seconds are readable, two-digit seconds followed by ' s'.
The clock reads 4 h 00 min 25 s
